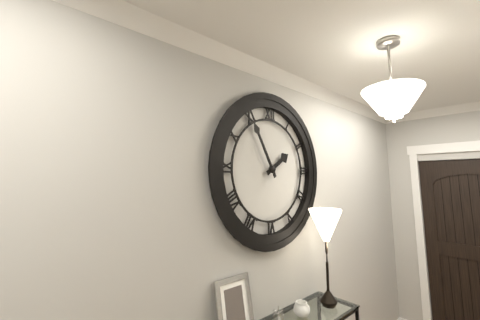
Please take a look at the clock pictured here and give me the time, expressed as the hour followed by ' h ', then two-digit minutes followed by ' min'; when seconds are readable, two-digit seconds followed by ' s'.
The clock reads 1 h 55 min
